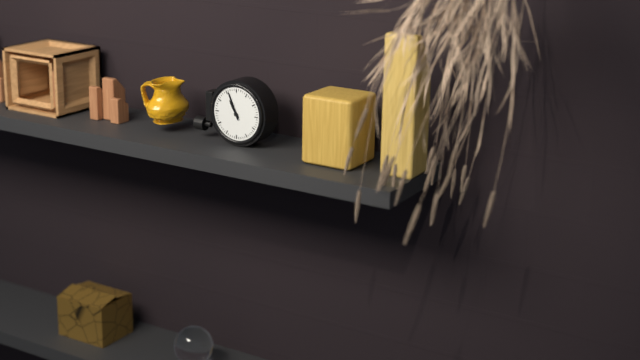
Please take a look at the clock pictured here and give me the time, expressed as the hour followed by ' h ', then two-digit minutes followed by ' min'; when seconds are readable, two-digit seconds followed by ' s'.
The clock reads 10 h 56 min
